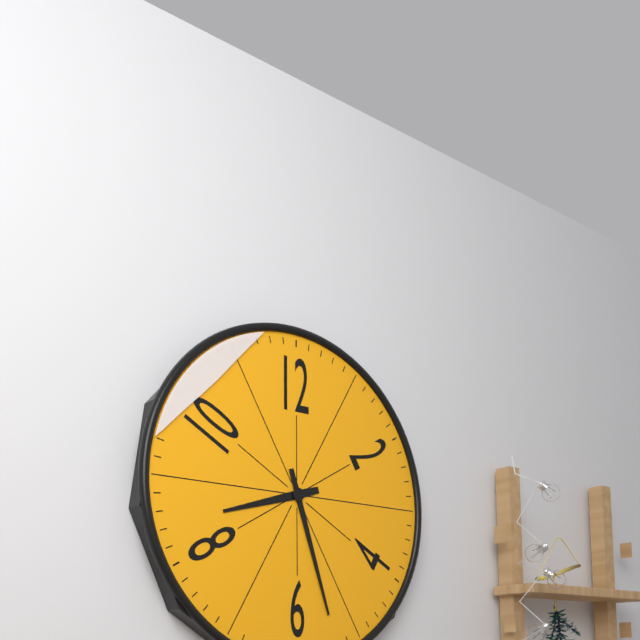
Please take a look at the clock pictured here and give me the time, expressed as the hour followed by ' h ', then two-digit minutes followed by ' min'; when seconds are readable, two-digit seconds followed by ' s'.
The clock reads 8 h 27 min
